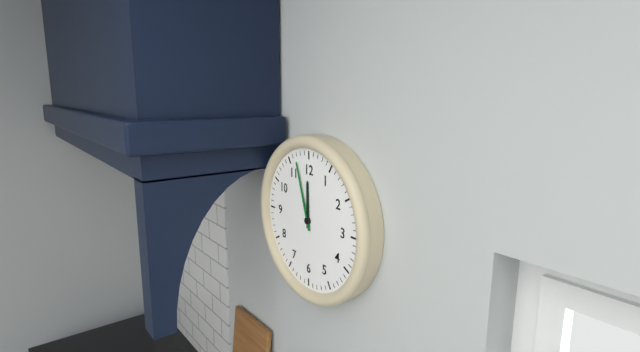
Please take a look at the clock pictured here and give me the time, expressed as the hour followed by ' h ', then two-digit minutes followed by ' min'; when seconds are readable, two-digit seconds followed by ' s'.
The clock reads 11 h 57 min
